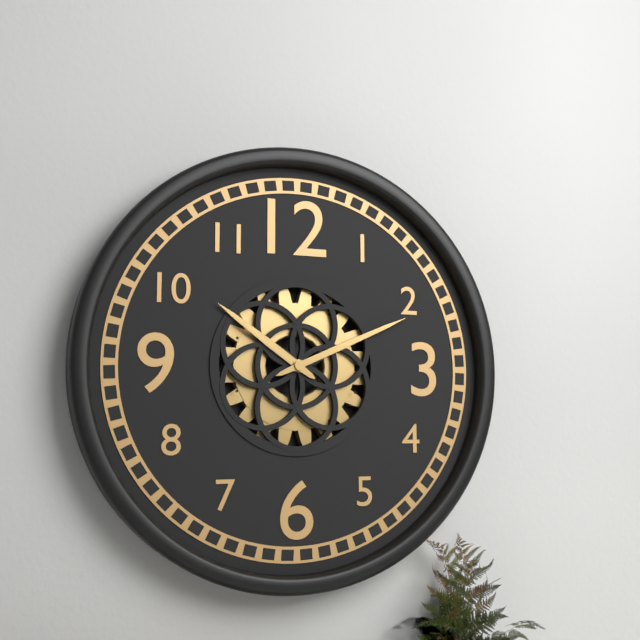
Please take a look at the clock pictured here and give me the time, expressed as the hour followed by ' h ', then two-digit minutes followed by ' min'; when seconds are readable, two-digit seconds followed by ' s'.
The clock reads 10 h 11 min
